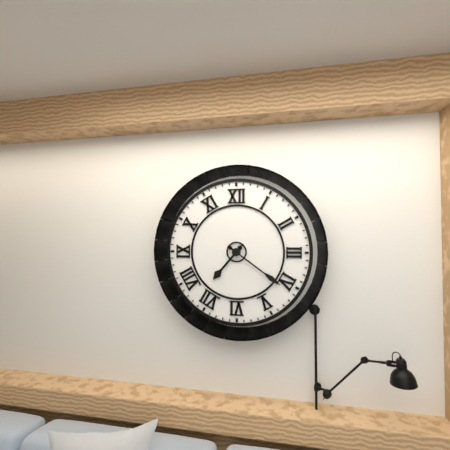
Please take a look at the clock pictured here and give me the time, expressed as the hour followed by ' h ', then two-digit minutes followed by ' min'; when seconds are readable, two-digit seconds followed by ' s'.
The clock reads 7 h 21 min
